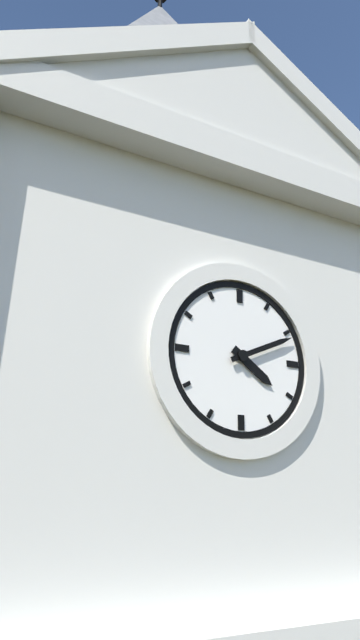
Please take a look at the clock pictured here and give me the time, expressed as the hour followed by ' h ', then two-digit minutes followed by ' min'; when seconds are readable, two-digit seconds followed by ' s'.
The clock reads 4 h 11 min
